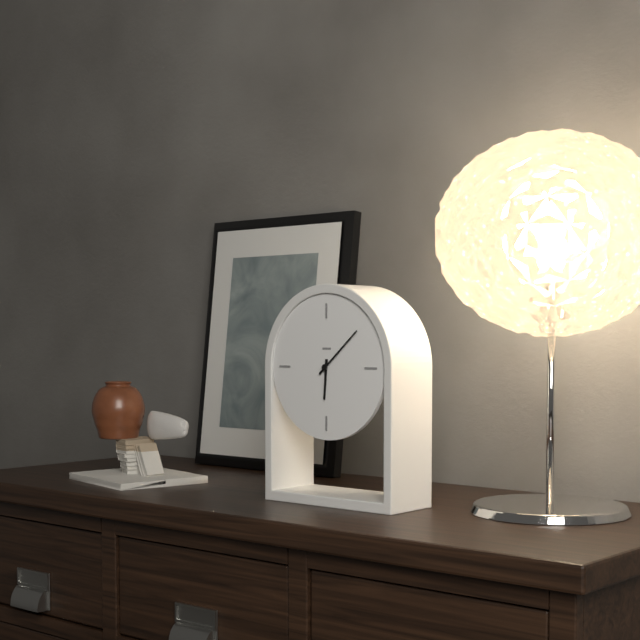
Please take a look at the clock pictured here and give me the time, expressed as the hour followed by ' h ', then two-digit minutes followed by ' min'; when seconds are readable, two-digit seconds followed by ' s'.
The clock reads 6 h 08 min
